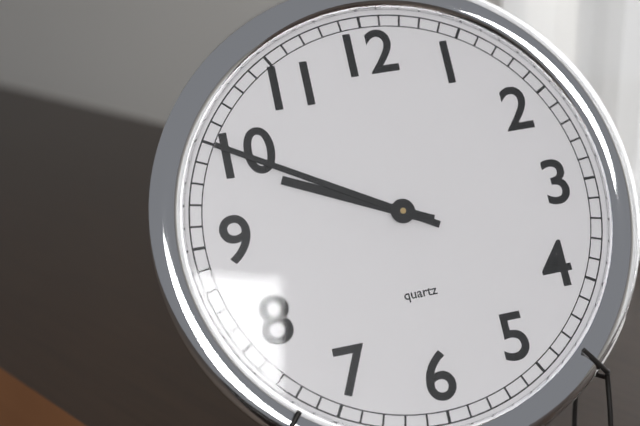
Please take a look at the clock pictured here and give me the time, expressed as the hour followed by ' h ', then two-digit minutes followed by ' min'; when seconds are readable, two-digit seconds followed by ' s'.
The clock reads 9 h 50 min
